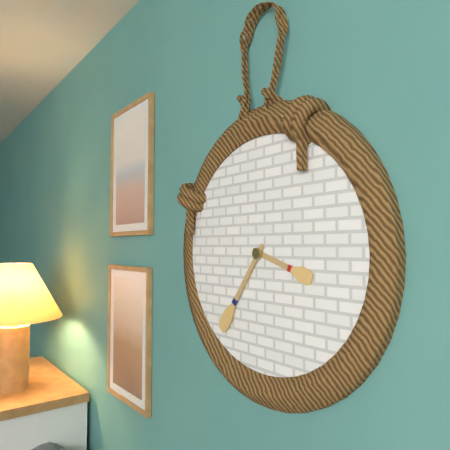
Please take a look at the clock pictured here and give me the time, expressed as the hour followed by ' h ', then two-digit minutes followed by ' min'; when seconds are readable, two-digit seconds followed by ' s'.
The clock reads 3 h 36 min
